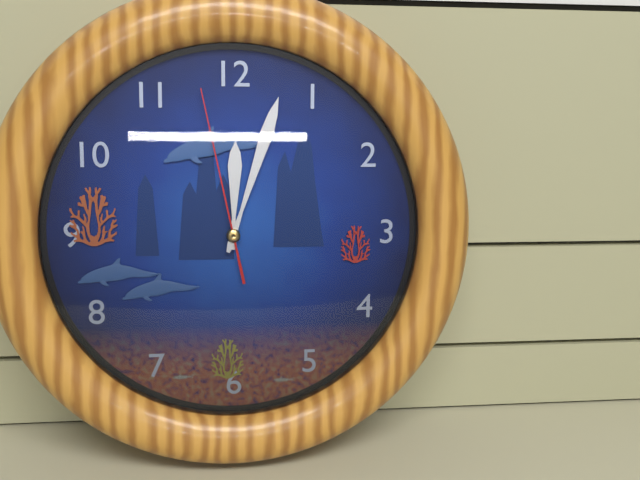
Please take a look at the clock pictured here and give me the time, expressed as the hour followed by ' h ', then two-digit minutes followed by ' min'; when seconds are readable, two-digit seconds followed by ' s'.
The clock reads 12 h 03 min 58 s
